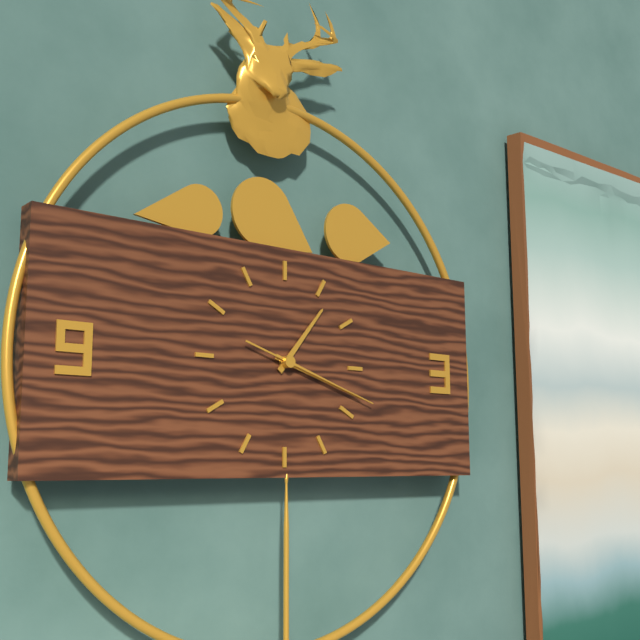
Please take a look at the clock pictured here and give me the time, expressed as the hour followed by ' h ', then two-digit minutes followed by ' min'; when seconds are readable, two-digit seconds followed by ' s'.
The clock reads 1 h 18 min 18 s
